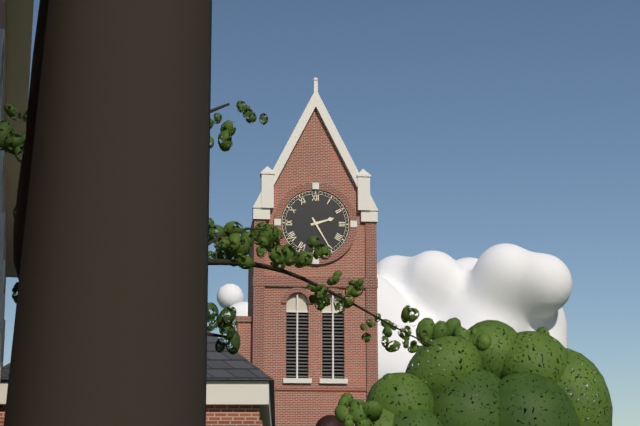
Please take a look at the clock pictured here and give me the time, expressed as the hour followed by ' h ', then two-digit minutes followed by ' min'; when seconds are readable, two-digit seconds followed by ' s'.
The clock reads 2 h 25 min
